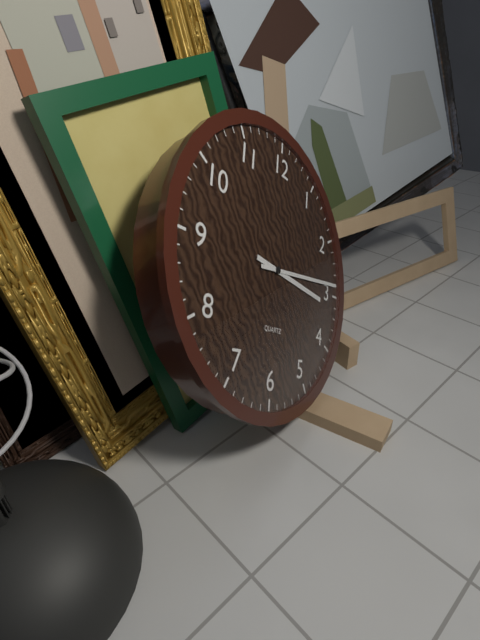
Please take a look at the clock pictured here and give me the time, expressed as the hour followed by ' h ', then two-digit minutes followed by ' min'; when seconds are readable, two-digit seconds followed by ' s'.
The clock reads 3 h 14 min
